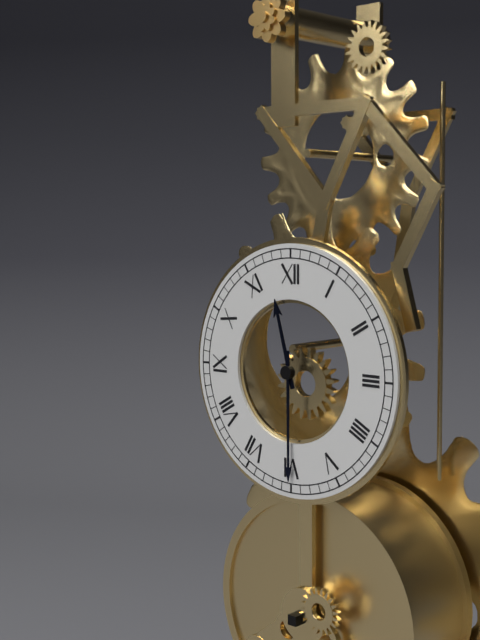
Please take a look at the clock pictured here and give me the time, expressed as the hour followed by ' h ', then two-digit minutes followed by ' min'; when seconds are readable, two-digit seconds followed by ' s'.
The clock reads 11 h 30 min
